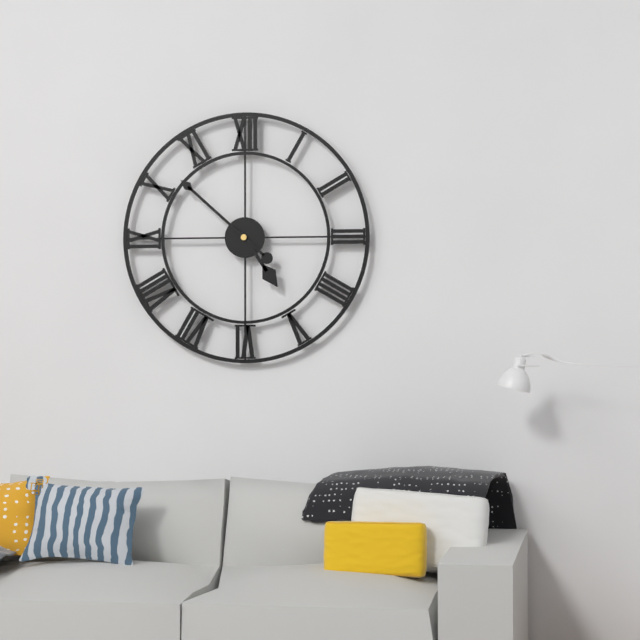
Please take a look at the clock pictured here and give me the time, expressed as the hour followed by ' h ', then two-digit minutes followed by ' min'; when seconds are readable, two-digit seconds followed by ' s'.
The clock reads 4 h 52 min
